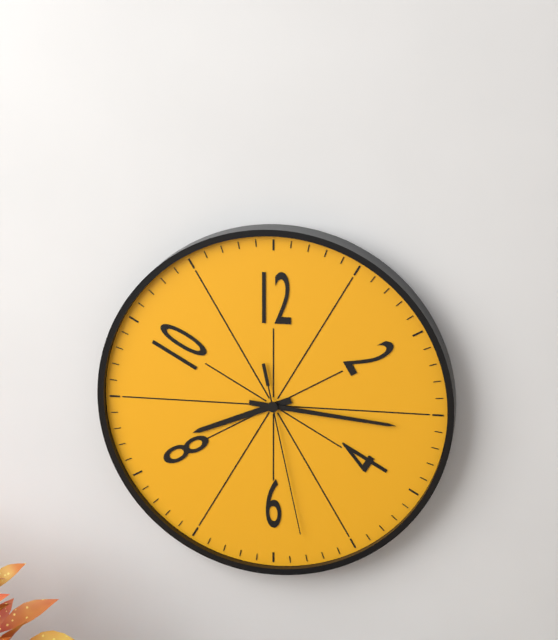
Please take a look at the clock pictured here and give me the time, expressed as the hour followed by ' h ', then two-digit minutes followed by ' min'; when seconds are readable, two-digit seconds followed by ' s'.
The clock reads 8 h 16 min 28 s
